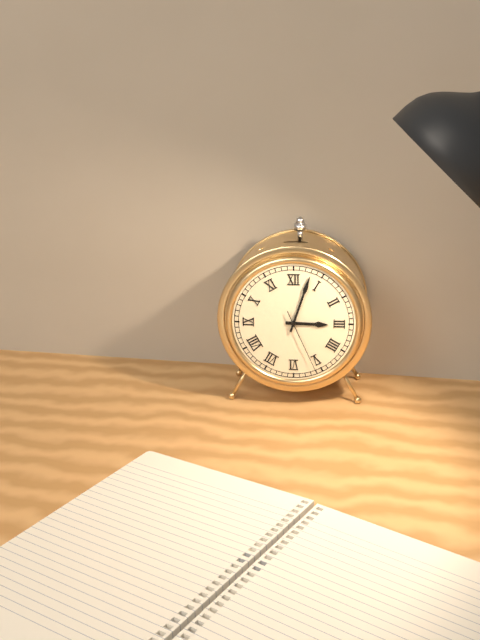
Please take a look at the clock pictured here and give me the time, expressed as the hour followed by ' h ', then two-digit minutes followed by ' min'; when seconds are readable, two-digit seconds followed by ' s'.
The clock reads 3 h 03 min 26 s
